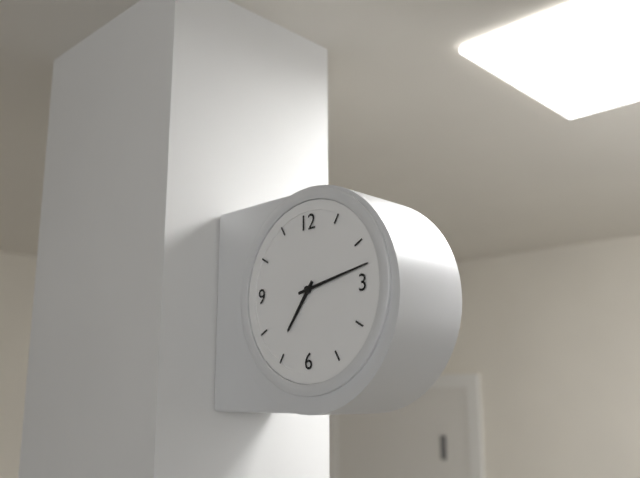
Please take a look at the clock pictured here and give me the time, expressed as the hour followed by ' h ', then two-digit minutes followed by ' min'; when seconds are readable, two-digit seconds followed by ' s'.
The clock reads 7 h 13 min
